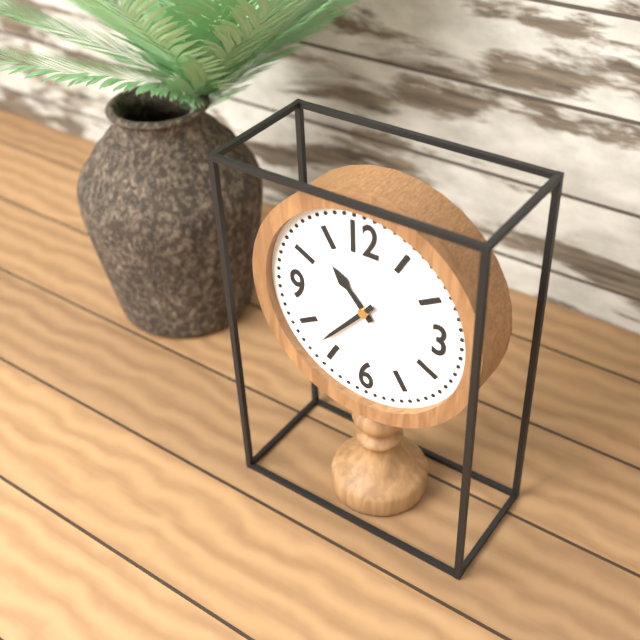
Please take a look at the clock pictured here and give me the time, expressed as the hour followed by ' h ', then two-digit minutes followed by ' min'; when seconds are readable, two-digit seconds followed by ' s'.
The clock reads 10 h 37 min
